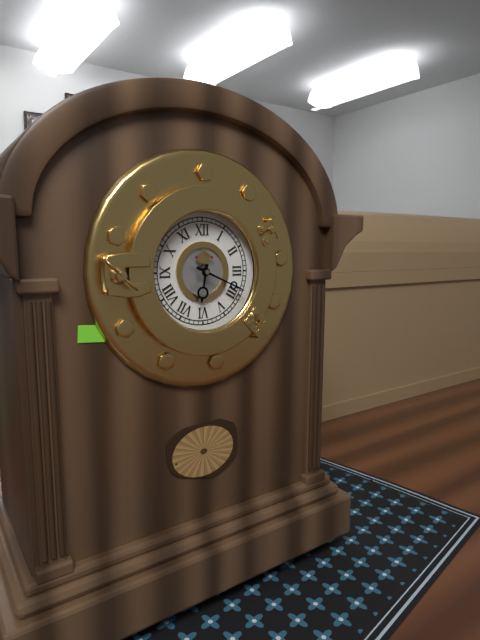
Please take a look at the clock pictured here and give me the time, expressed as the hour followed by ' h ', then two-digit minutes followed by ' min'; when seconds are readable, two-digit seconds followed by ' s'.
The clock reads 6 h 19 min
